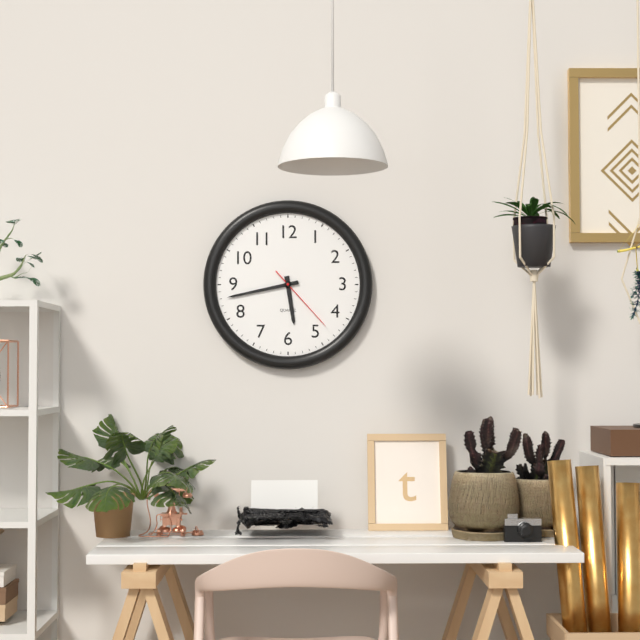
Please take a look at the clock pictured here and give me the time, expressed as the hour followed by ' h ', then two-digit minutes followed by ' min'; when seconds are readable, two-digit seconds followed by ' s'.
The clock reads 5 h 43 min 23 s
